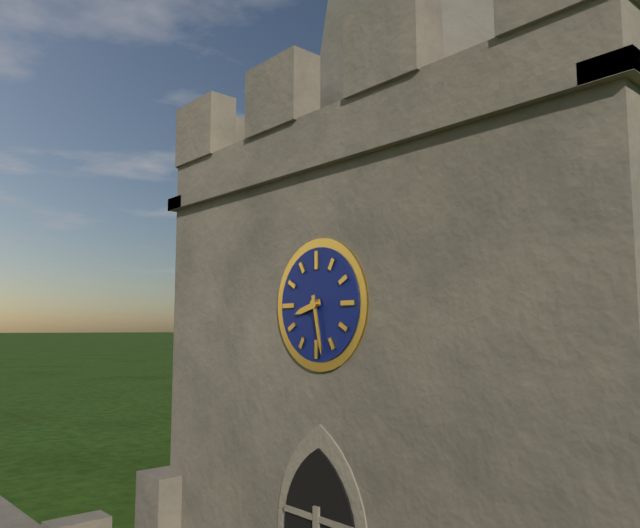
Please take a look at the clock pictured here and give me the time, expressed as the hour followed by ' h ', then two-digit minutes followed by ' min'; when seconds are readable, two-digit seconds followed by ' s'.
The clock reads 8 h 28 min
